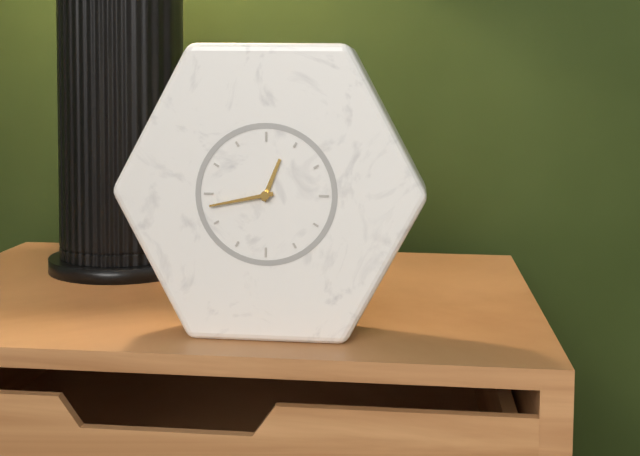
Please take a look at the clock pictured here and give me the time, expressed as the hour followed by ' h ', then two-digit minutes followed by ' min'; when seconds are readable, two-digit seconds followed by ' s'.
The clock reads 12 h 43 min
